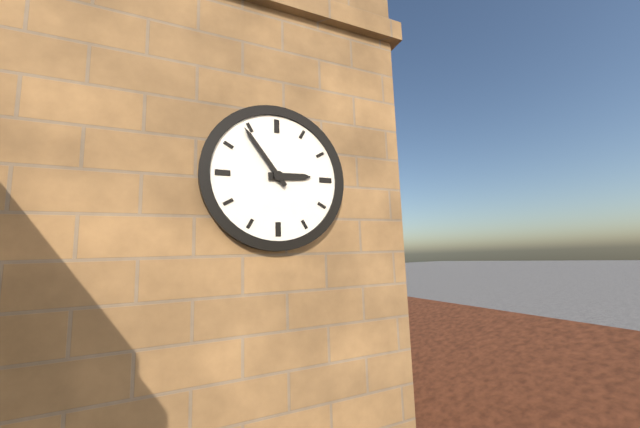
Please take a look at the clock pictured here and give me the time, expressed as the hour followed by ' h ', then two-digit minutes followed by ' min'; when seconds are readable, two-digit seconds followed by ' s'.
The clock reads 2 h 54 min
